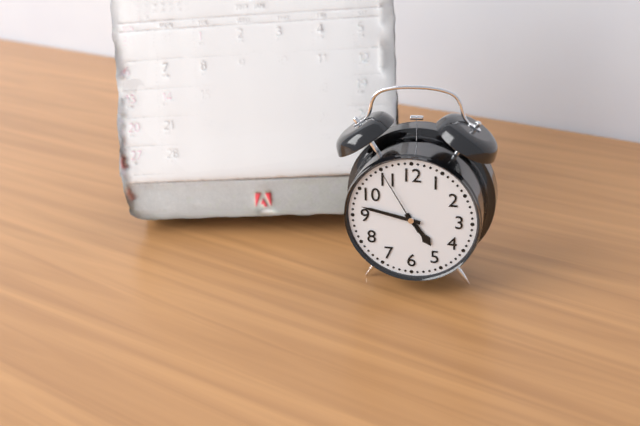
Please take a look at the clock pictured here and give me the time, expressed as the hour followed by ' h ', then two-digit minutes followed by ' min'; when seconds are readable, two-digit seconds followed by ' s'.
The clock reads 4 h 47 min 55 s
